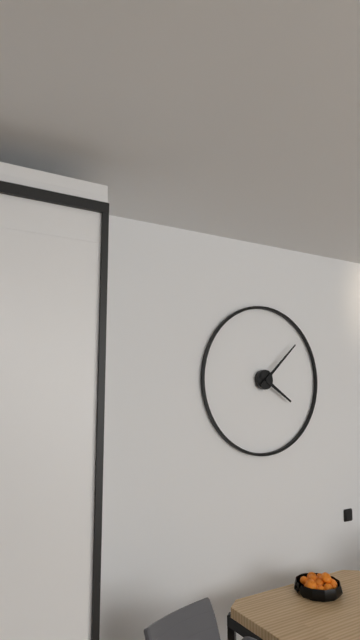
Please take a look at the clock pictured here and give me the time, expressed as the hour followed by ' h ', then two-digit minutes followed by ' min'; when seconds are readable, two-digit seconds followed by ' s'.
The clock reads 4 h 08 min
